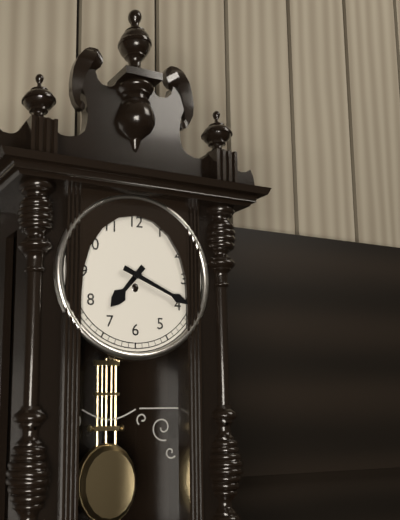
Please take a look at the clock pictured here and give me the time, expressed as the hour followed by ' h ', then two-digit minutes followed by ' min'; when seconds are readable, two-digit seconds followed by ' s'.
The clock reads 7 h 19 min
